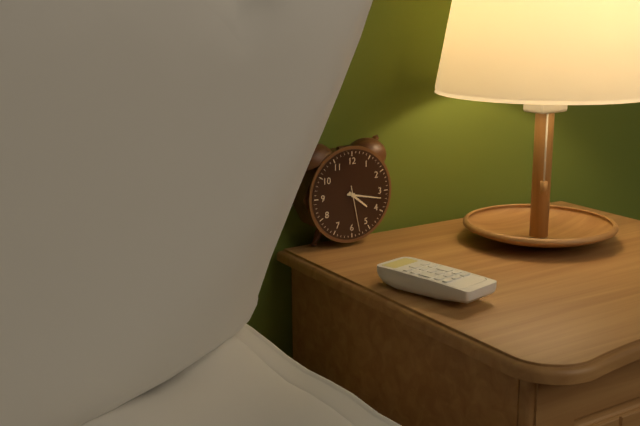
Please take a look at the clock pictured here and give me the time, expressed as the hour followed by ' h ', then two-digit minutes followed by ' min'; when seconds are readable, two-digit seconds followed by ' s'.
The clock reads 4 h 17 min
